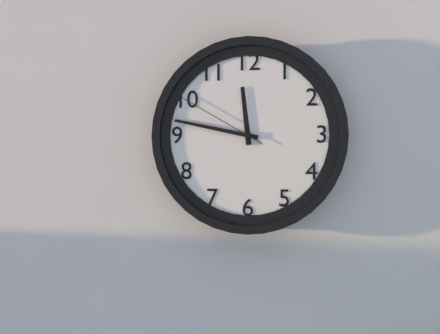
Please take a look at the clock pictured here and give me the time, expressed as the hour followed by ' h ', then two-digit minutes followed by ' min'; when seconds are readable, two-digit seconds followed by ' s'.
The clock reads 11 h 47 min 50 s
